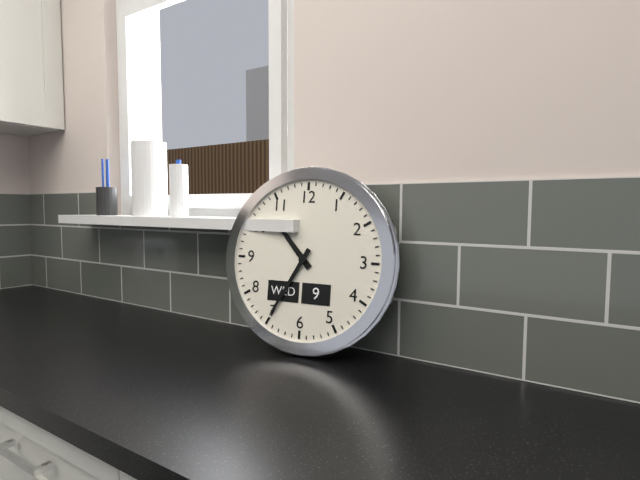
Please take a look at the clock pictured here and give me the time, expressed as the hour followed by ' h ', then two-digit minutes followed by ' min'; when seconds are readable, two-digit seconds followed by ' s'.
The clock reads 10 h 35 min
